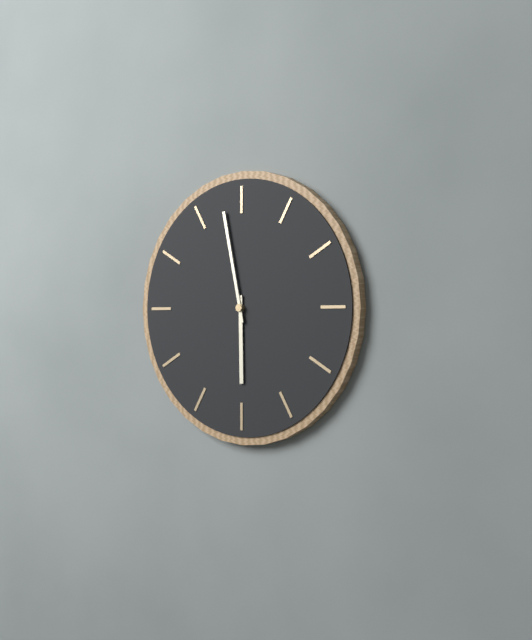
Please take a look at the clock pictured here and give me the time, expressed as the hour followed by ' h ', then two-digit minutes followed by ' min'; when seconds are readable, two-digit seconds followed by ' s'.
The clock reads 5 h 58 min
